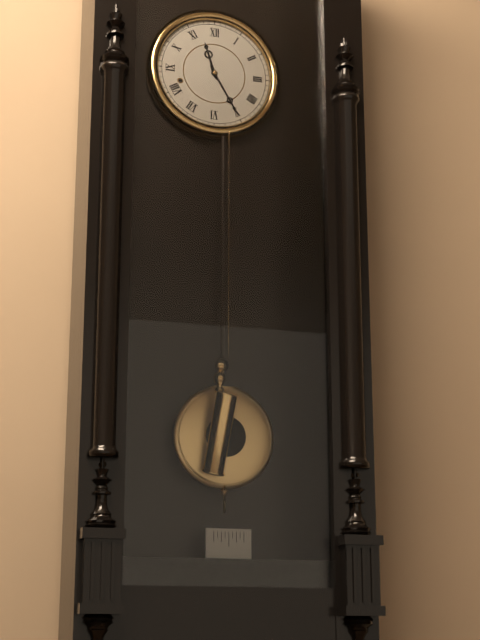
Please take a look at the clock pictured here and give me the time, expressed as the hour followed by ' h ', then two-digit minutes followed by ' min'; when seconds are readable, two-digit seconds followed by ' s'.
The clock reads 11 h 25 min
